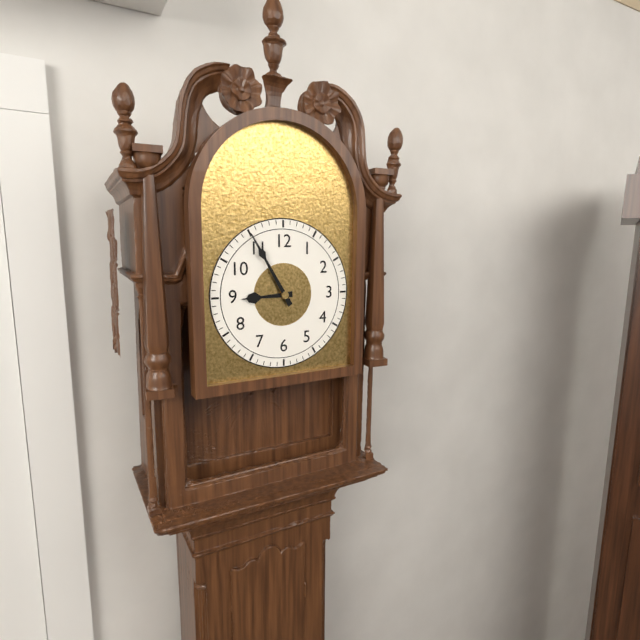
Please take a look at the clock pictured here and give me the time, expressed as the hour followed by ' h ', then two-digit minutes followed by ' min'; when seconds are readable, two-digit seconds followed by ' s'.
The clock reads 8 h 55 min
